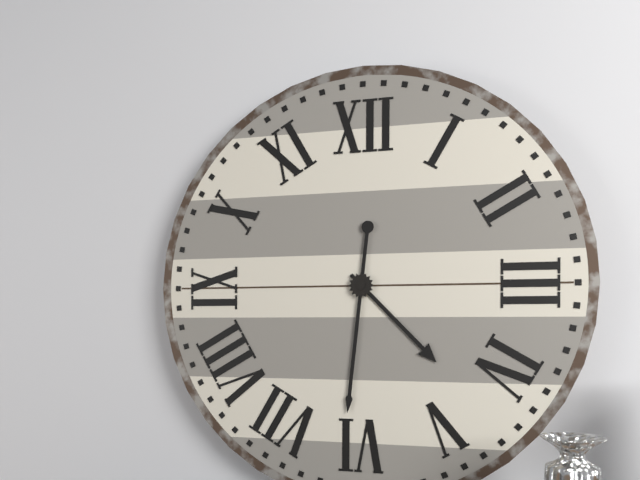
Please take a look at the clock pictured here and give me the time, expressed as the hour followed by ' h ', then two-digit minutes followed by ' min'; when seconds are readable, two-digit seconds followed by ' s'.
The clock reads 4 h 31 min
